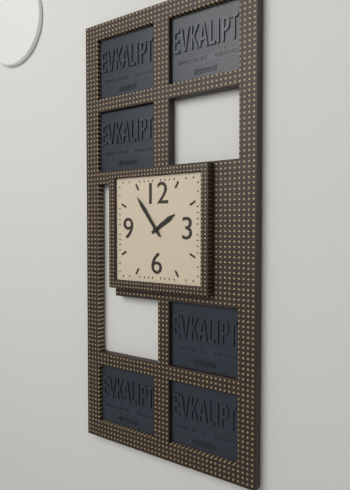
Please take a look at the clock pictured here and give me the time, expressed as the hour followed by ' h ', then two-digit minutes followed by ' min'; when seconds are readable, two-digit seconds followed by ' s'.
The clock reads 1 h 54 min
